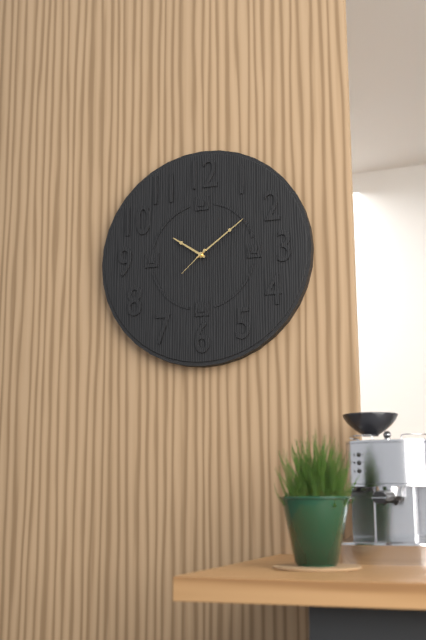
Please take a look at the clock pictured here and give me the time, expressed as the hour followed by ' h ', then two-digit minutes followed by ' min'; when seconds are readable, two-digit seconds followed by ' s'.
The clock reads 10 h 09 min
